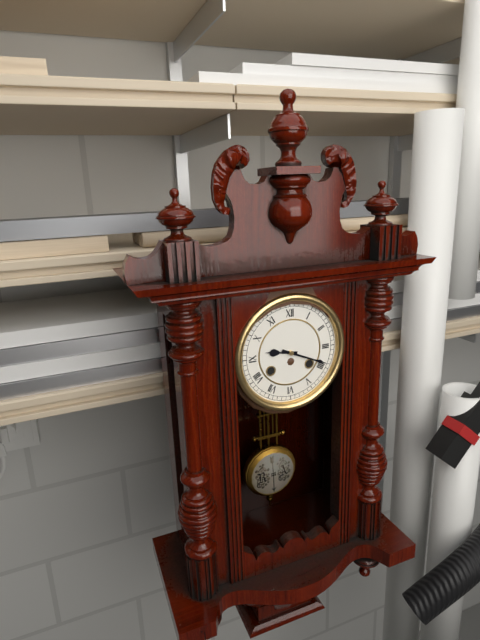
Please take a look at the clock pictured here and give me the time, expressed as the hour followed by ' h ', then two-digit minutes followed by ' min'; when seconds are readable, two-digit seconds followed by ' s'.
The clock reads 9 h 19 min
